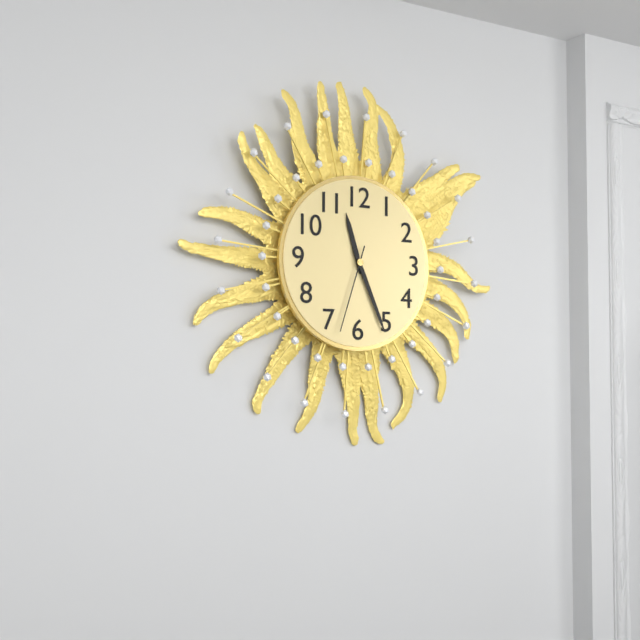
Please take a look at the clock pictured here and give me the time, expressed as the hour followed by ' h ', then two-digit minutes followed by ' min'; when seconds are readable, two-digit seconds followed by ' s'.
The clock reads 11 h 26 min 33 s
